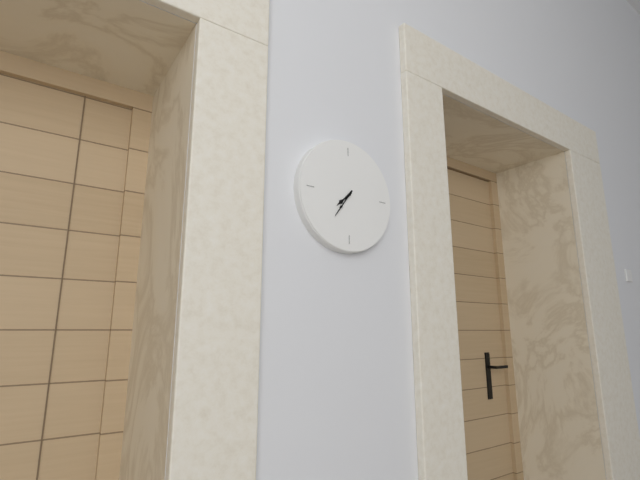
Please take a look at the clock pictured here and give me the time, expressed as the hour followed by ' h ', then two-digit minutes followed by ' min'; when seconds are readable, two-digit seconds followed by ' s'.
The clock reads 7 h 36 min
